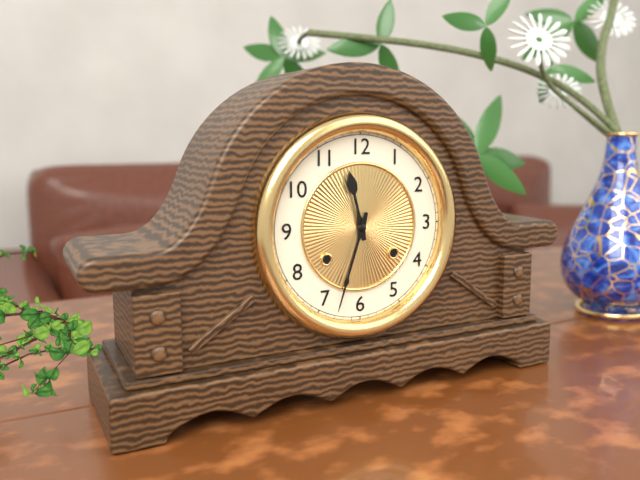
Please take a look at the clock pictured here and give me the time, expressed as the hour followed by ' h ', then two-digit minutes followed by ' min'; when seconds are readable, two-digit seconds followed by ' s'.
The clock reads 11 h 33 min
